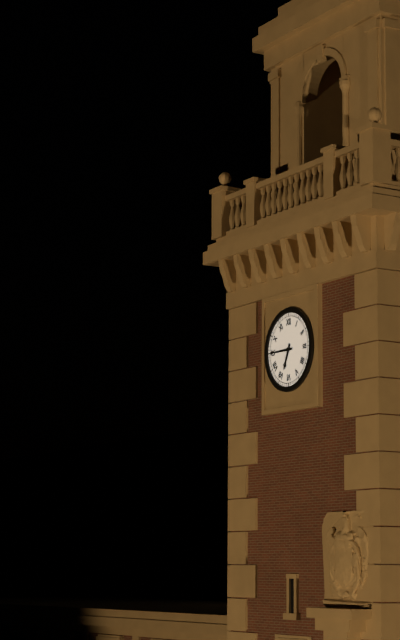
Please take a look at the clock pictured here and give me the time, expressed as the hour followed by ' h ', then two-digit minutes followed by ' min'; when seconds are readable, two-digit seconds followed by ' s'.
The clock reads 6 h 45 min
